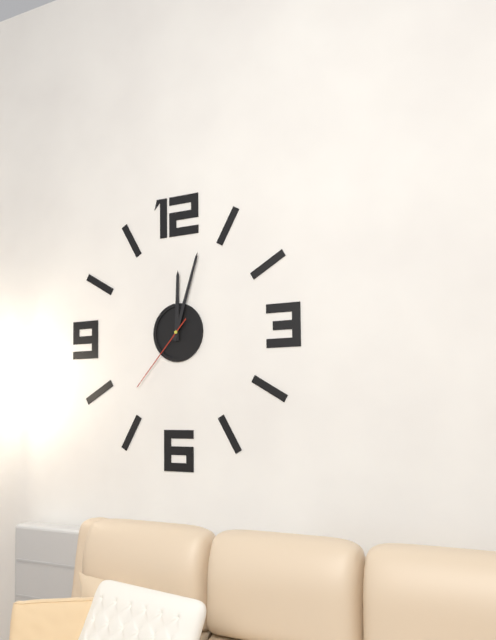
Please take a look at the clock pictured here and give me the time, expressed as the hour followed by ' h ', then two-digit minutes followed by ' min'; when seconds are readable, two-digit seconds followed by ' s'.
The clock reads 12 h 03 min 37 s
